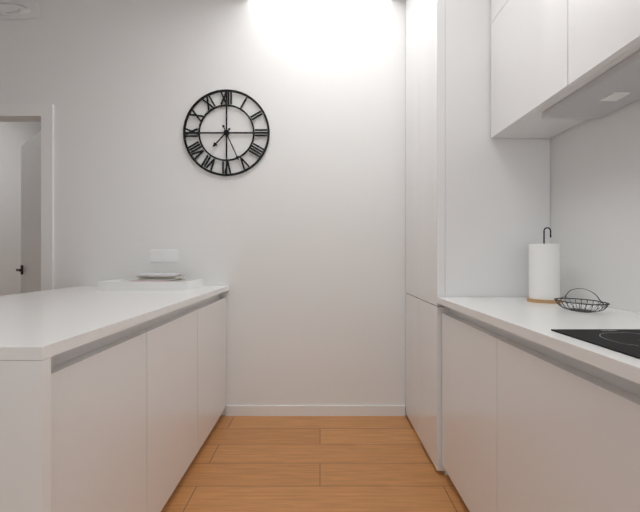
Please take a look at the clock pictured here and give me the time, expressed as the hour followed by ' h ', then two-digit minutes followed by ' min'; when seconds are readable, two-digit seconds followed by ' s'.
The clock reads 7 h 26 min
